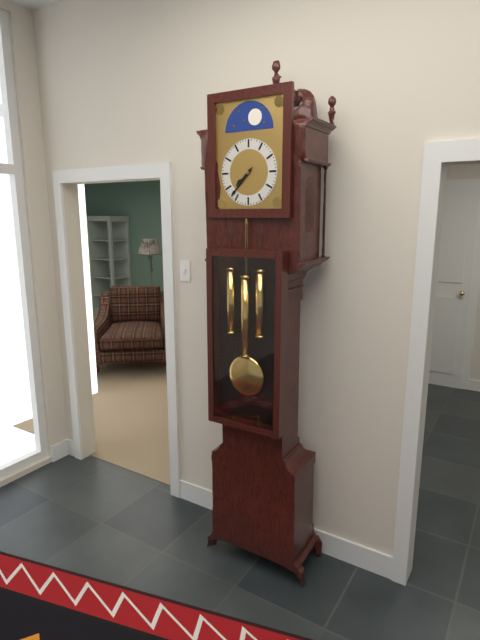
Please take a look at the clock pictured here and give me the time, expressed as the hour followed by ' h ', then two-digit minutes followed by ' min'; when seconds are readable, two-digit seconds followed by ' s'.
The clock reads 7 h 37 min
